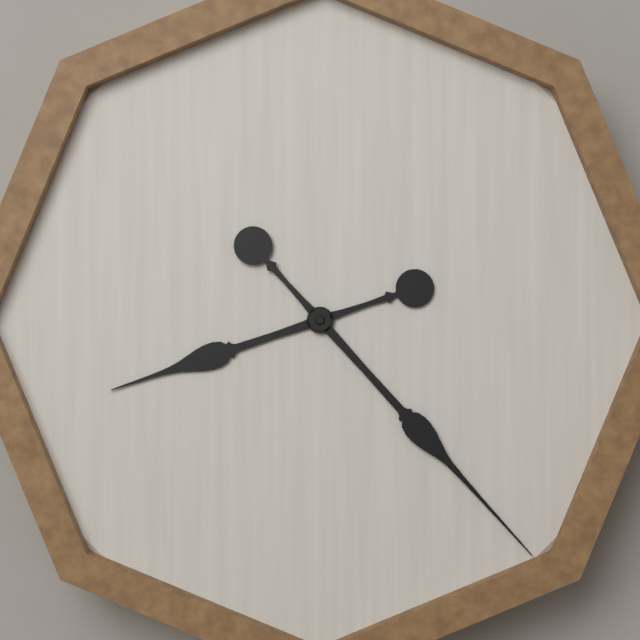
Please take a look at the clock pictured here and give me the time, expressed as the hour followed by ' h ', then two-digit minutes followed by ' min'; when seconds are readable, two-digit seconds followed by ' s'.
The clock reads 8 h 23 min
